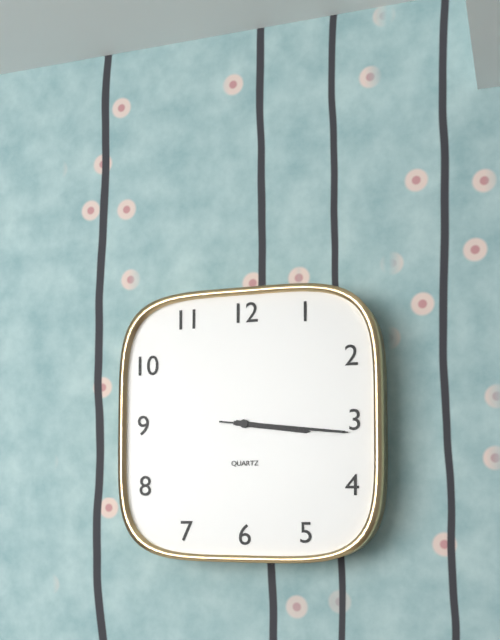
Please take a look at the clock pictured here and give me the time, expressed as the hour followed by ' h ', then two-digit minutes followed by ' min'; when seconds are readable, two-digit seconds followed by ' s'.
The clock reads 3 h 16 min 16 s
